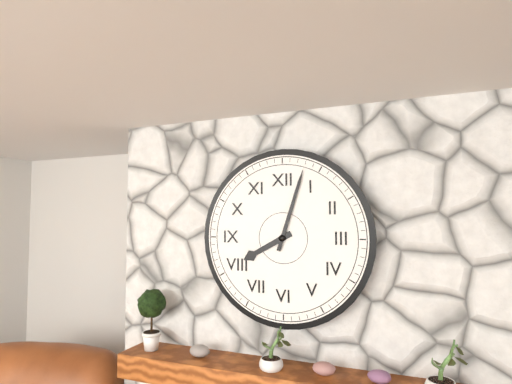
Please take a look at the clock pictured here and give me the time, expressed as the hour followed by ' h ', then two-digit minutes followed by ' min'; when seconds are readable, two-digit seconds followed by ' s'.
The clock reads 8 h 03 min
